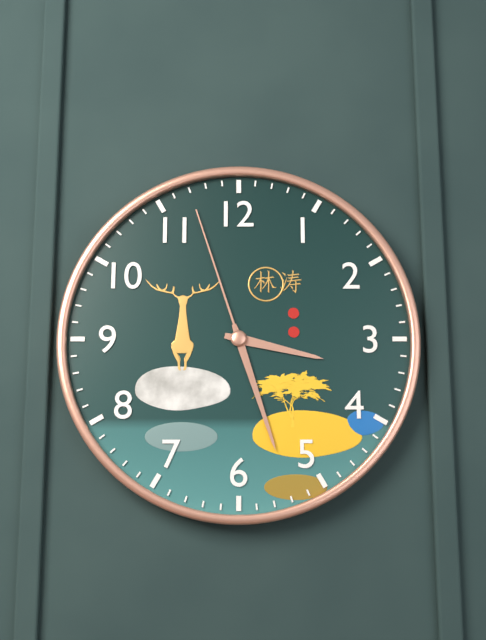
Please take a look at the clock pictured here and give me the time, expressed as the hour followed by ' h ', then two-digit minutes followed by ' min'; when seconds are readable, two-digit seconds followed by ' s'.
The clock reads 3 h 27 min 57 s
